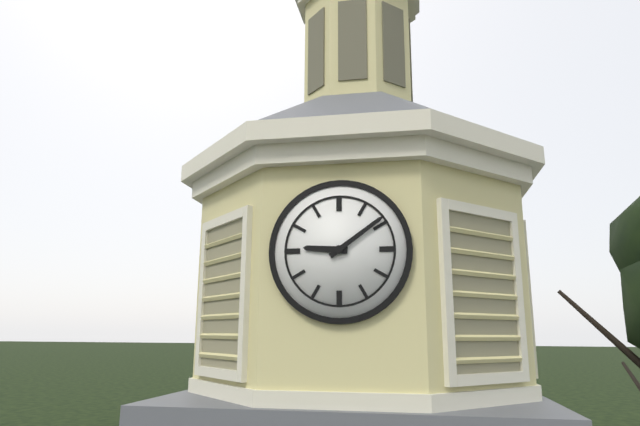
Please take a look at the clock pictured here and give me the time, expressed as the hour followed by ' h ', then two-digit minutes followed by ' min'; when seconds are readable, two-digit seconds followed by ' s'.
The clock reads 9 h 09 min
